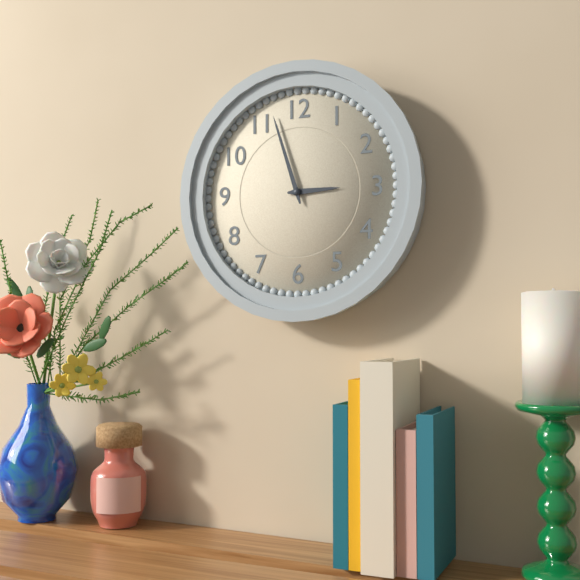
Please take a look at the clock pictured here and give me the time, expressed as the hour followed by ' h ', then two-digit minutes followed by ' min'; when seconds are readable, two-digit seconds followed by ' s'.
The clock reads 2 h 57 min
